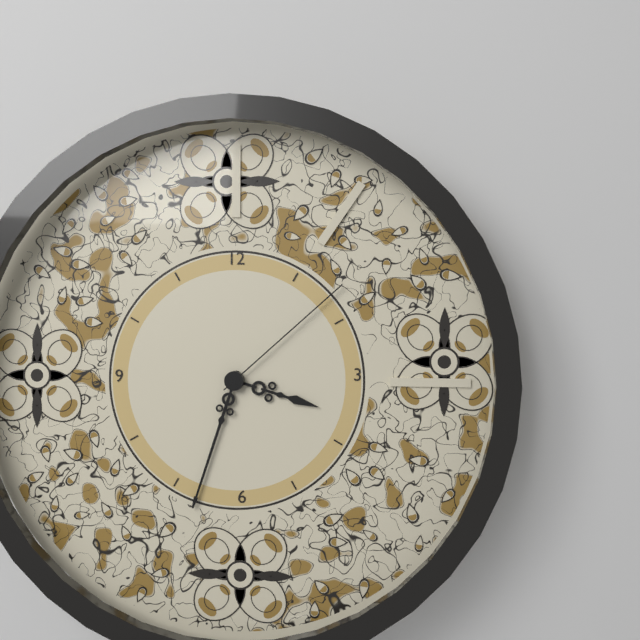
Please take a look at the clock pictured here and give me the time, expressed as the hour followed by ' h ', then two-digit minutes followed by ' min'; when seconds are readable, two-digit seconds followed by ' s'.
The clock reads 3 h 33 min 08 s
